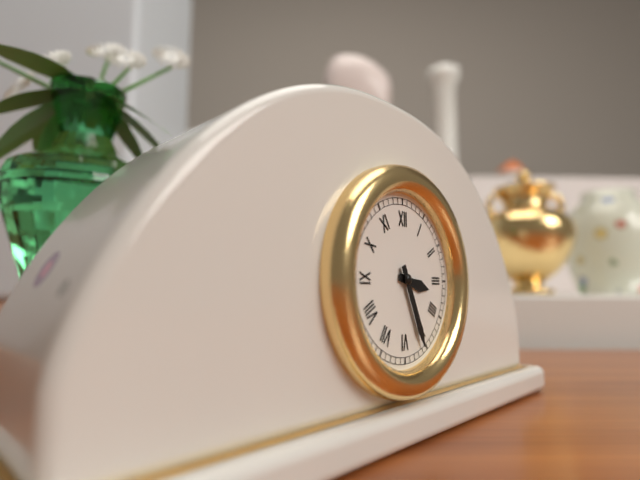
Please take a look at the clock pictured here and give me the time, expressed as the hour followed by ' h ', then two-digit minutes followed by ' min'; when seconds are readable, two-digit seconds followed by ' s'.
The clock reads 3 h 26 min
